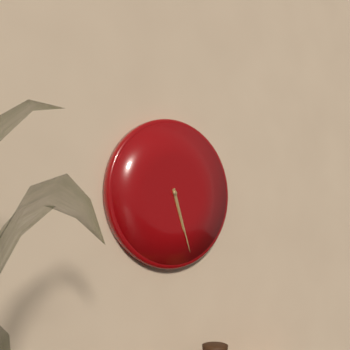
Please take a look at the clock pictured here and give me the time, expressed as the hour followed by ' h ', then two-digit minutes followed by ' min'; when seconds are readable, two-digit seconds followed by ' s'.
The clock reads 5 h 27 min
